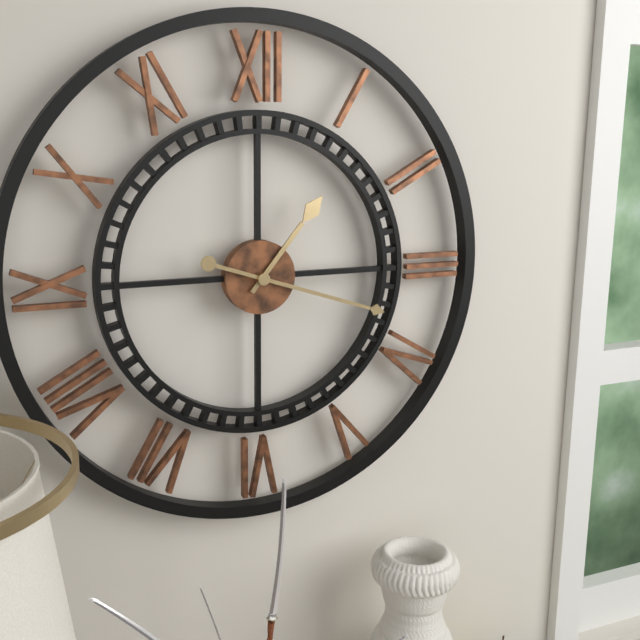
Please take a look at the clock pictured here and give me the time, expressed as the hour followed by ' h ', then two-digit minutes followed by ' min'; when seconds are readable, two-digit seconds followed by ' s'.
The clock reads 1 h 18 min
